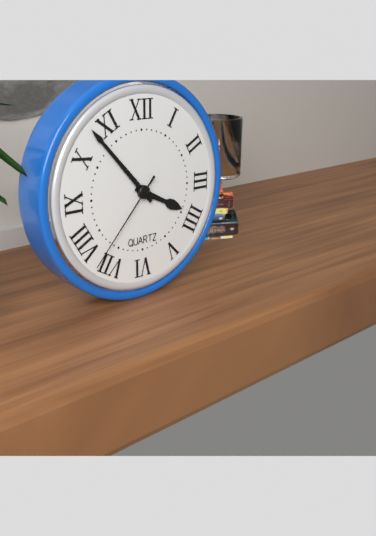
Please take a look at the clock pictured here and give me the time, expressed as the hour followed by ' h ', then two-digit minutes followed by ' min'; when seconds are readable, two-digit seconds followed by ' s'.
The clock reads 3 h 53 min 37 s
